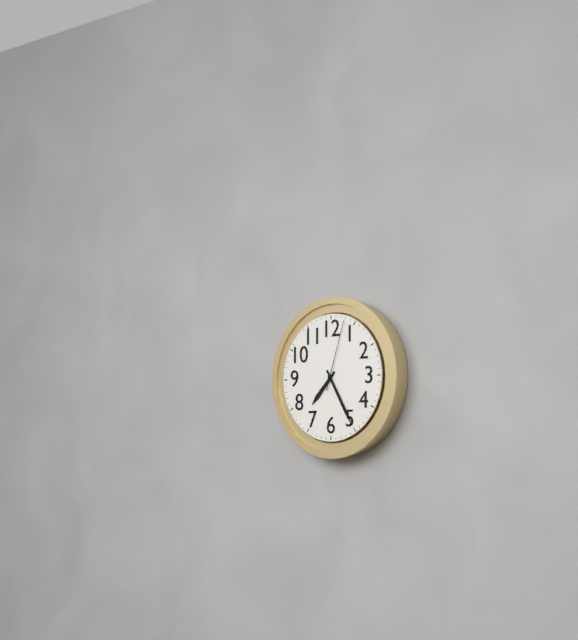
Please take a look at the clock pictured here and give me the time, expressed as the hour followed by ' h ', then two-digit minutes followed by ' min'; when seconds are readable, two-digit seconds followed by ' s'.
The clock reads 7 h 25 min 03 s
